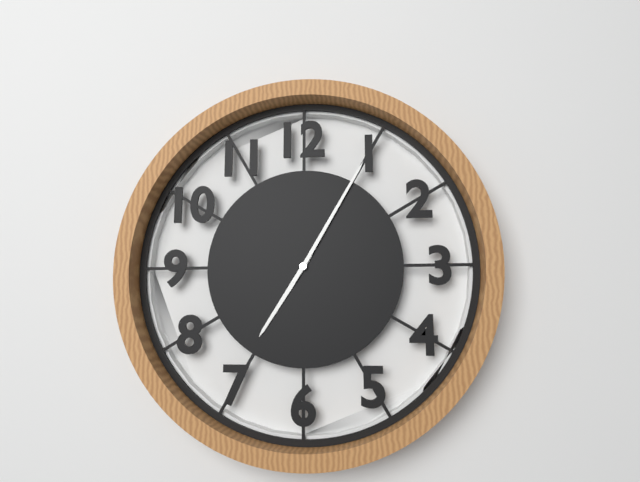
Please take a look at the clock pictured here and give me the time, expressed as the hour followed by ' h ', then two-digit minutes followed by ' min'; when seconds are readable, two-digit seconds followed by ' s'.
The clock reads 7 h 05 min
